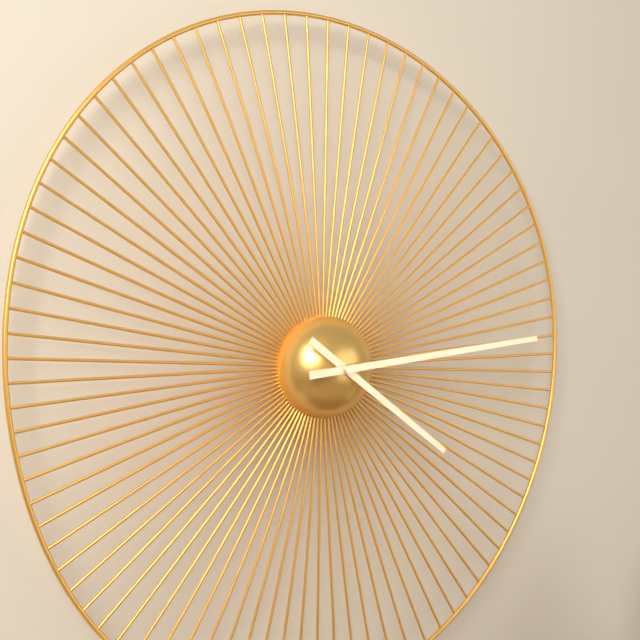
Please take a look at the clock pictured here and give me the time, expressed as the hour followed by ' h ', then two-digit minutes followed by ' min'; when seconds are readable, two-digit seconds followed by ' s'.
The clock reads 4 h 14 min
